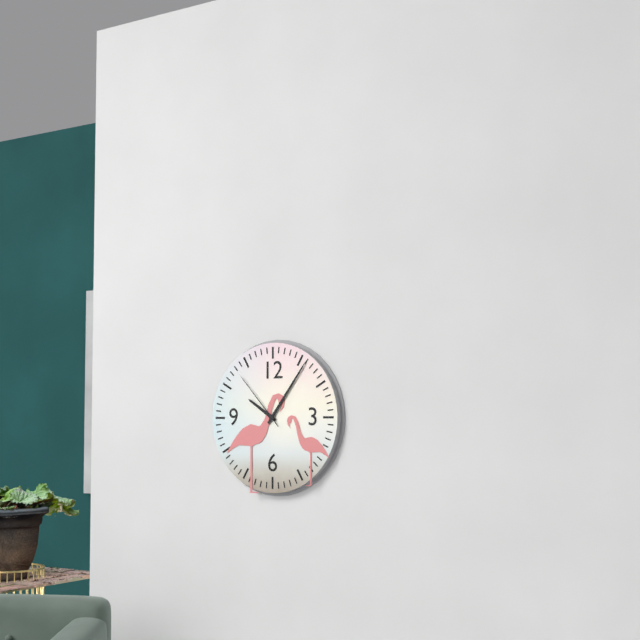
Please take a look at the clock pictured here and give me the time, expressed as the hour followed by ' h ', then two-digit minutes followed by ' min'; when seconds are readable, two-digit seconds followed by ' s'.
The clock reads 10 h 06 min 53 s
